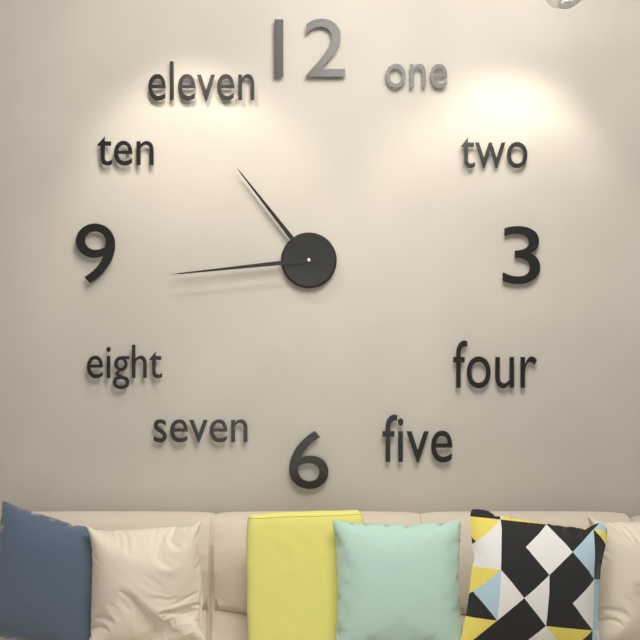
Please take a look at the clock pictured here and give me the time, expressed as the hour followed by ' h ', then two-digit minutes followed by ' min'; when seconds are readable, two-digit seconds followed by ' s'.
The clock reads 10 h 44 min
